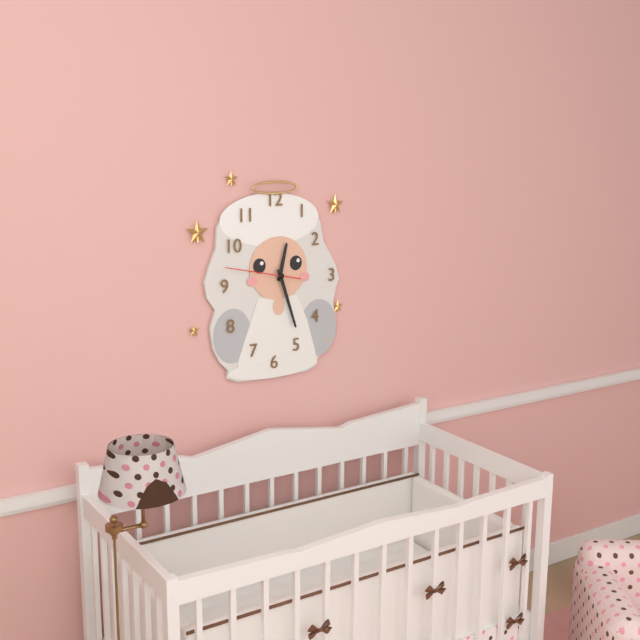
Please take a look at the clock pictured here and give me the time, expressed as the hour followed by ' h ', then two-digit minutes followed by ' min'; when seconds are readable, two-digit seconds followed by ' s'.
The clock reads 12 h 27 min 47 s
